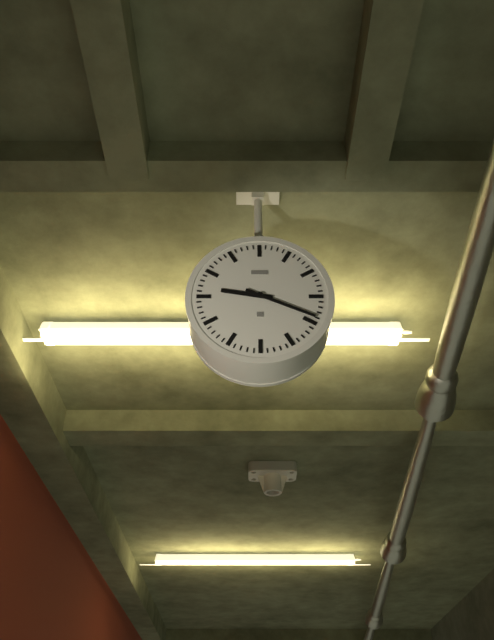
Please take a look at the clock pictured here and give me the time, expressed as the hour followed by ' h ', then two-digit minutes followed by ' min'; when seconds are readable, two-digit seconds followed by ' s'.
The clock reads 9 h 19 min
